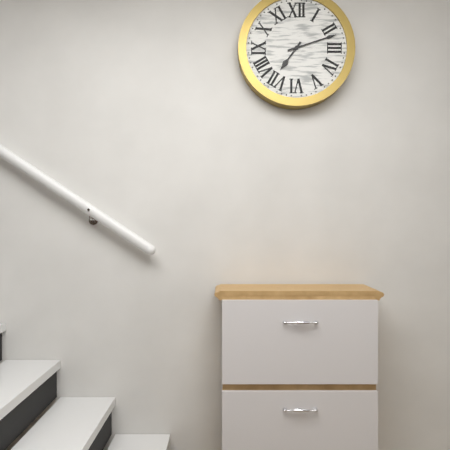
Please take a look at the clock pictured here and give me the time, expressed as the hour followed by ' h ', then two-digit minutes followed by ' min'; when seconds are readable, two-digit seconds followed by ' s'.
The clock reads 7 h 12 min
